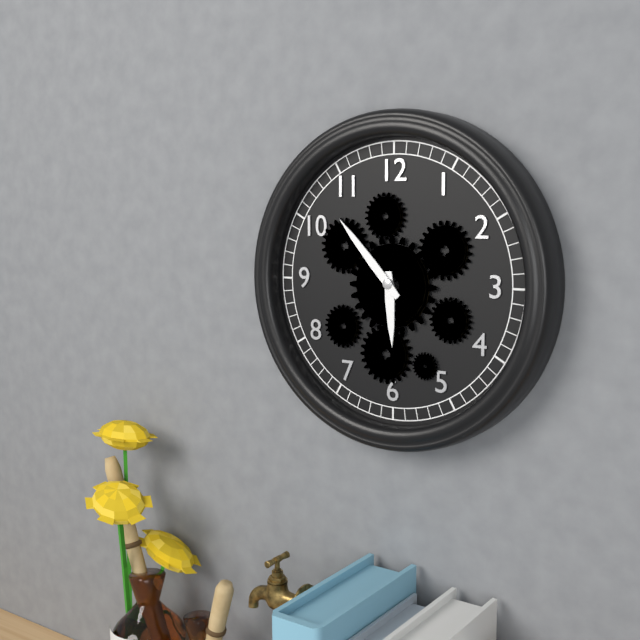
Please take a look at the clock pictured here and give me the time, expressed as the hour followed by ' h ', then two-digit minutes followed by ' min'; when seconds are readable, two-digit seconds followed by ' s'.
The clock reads 5 h 53 min
